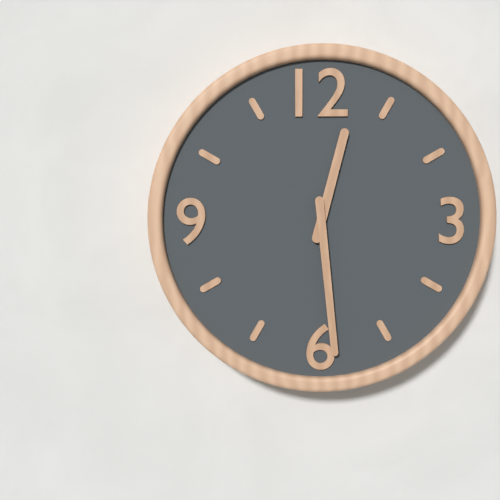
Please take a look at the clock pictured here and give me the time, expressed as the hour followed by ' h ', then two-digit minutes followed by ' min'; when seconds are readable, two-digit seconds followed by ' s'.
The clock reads 12 h 29 min
